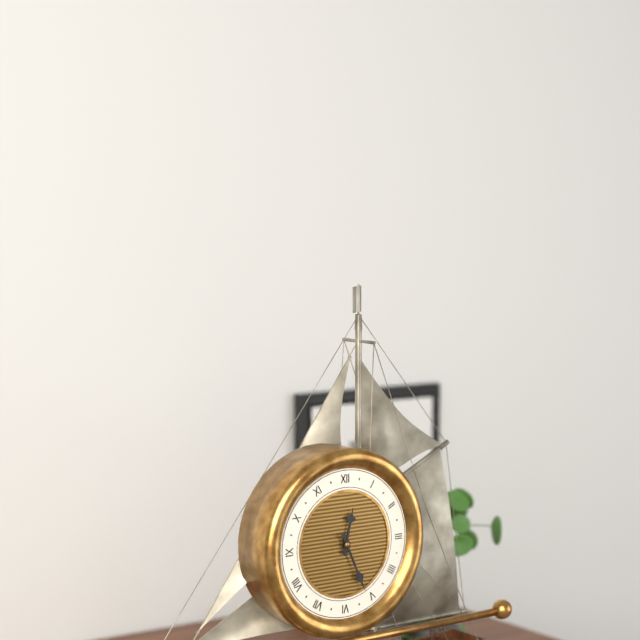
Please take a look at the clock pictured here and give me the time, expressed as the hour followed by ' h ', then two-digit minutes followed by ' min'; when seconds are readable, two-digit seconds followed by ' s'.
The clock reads 12 h 26 min
